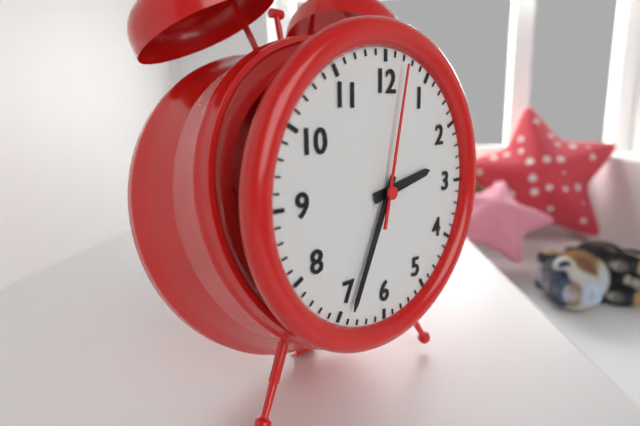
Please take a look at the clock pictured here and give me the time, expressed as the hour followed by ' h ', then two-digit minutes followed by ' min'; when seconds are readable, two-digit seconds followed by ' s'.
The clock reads 2 h 34 min 02 s
